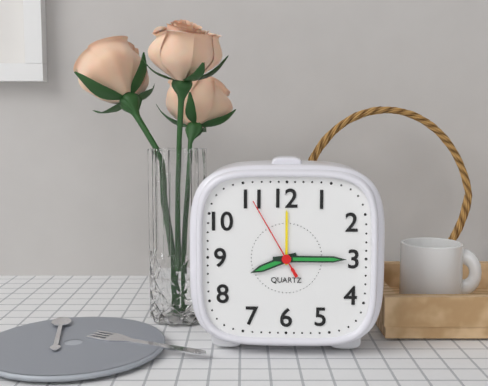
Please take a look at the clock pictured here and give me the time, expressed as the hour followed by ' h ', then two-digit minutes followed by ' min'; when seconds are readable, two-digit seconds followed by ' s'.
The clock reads 8 h 15 min 55 s
